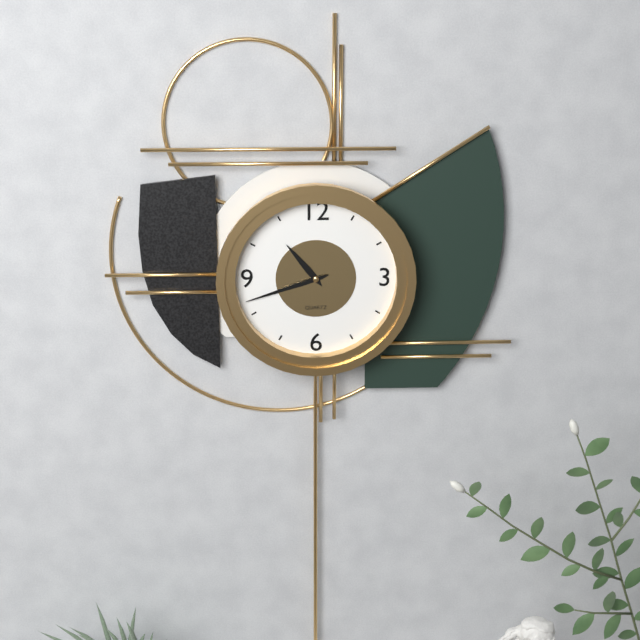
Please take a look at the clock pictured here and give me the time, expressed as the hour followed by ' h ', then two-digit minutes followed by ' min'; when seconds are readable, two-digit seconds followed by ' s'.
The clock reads 10 h 42 min
